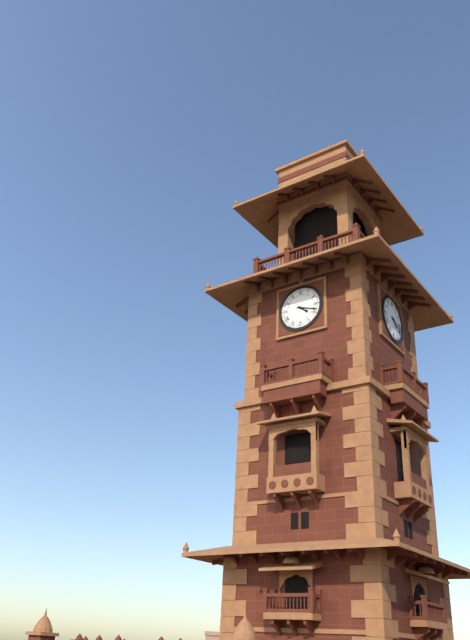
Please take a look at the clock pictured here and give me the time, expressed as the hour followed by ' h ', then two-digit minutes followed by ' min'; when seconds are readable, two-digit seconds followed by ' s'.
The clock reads 4 h 18 min
